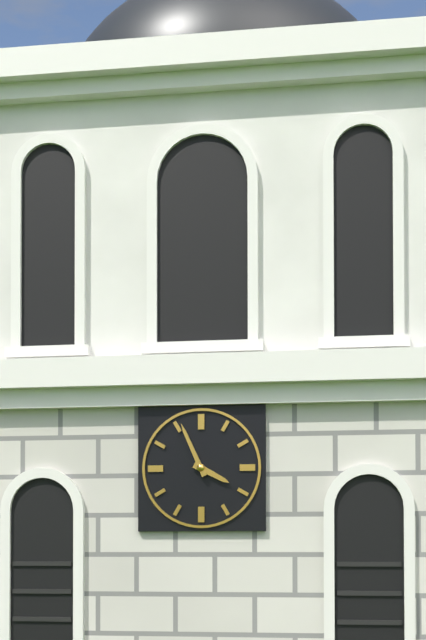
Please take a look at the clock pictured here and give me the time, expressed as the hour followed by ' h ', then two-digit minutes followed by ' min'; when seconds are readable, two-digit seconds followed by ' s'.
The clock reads 3 h 56 min
